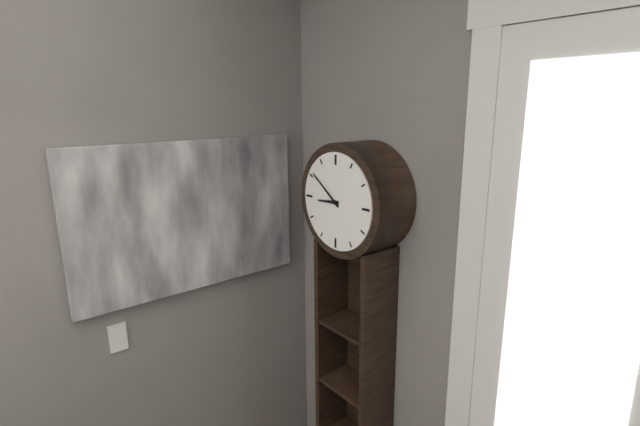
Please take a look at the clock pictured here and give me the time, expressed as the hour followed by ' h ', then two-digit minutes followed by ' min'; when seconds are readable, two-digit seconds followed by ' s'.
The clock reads 8 h 51 min
